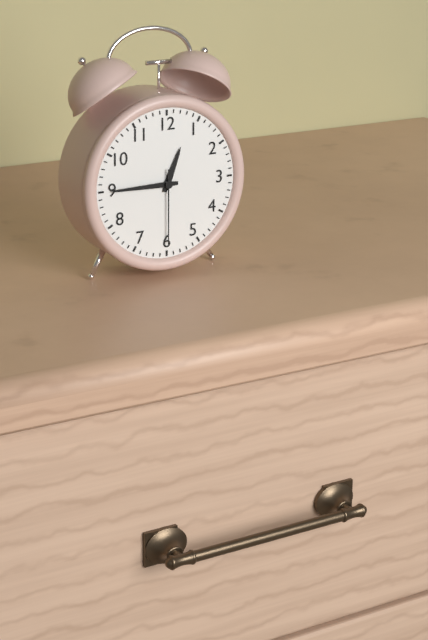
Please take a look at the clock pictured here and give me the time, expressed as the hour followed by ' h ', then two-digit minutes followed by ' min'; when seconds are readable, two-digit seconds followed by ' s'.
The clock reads 12 h 45 min 30 s
